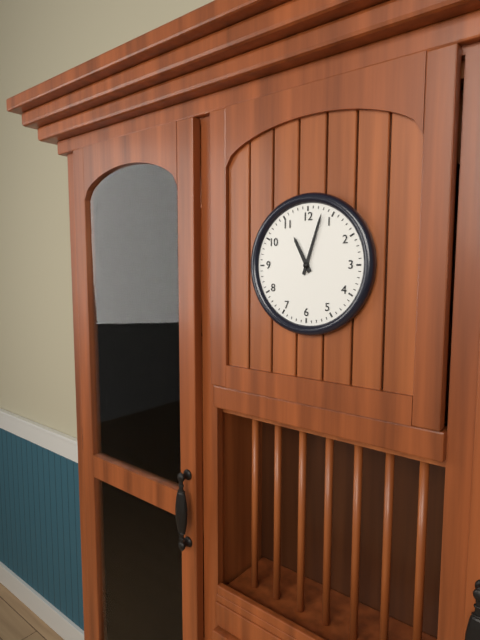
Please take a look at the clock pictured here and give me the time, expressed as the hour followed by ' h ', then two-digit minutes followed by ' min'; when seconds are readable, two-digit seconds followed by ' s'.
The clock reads 11 h 03 min
